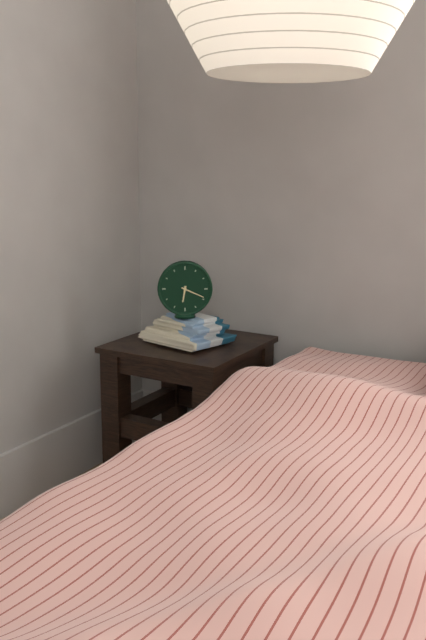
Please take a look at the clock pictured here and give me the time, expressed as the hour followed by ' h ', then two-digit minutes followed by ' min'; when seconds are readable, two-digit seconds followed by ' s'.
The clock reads 6 h 19 min
